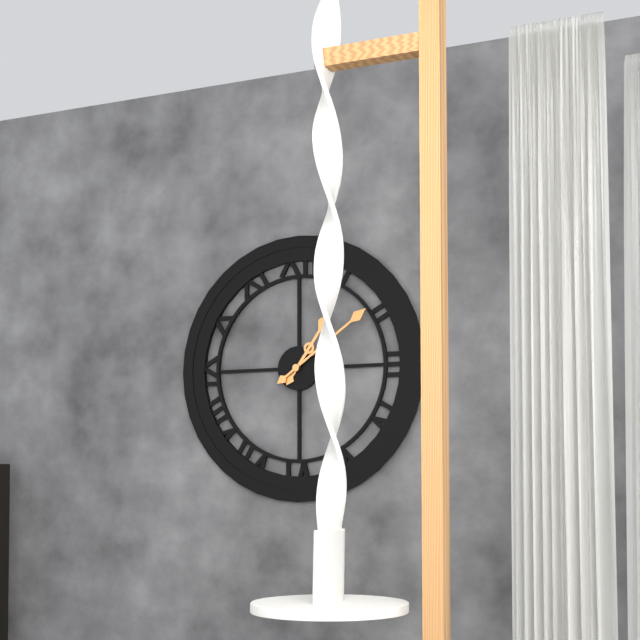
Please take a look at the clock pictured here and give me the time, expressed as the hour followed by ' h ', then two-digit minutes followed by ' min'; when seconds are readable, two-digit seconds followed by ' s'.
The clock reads 1 h 09 min
